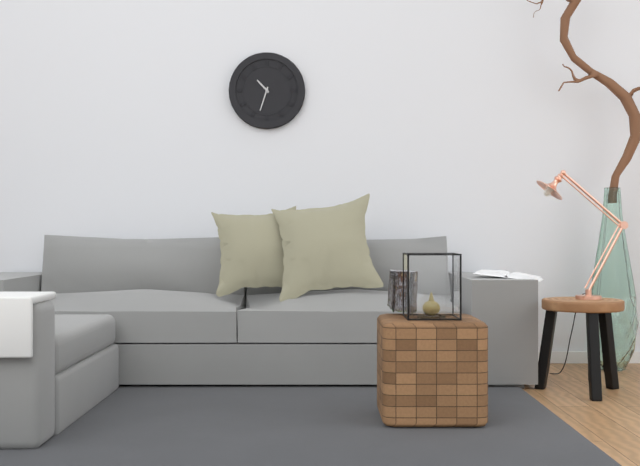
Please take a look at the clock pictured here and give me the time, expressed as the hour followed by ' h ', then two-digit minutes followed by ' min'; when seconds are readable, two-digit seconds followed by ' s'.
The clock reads 10 h 33 min
